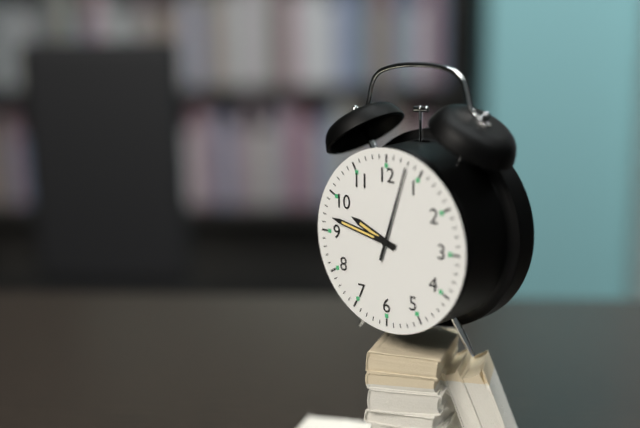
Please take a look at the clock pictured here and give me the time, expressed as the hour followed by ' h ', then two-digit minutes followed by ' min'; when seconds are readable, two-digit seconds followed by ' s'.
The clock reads 9 h 47 min 03 s
